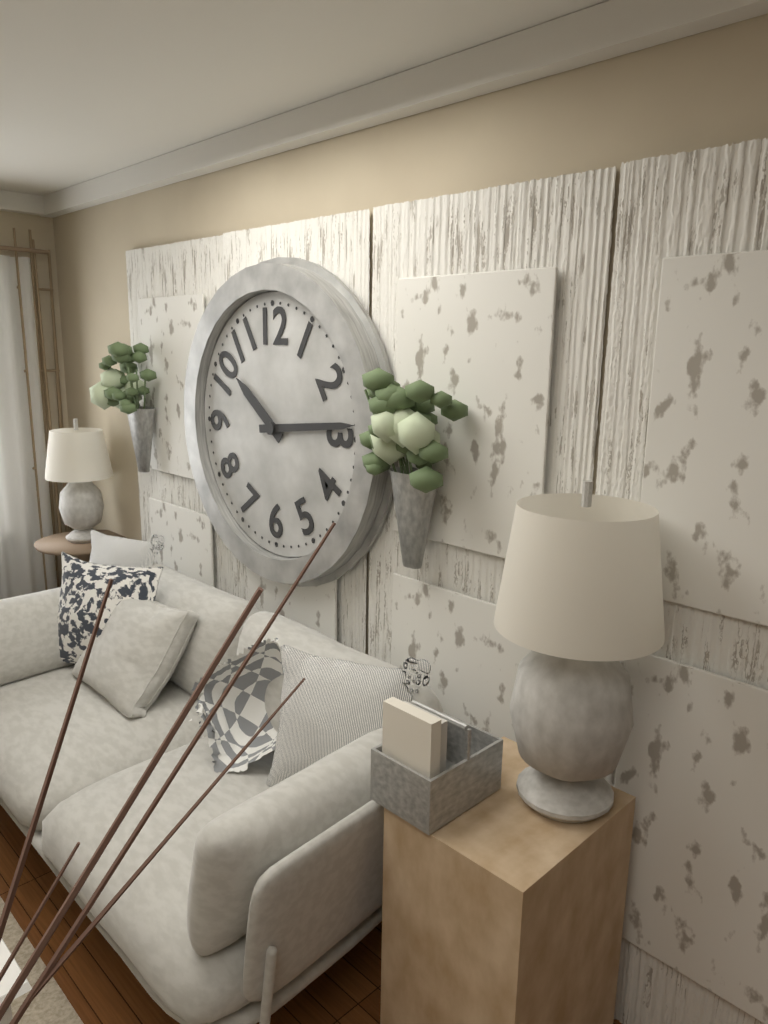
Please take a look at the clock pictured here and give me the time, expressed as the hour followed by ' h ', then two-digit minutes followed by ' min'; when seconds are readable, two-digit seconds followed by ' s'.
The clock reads 10 h 14 min
